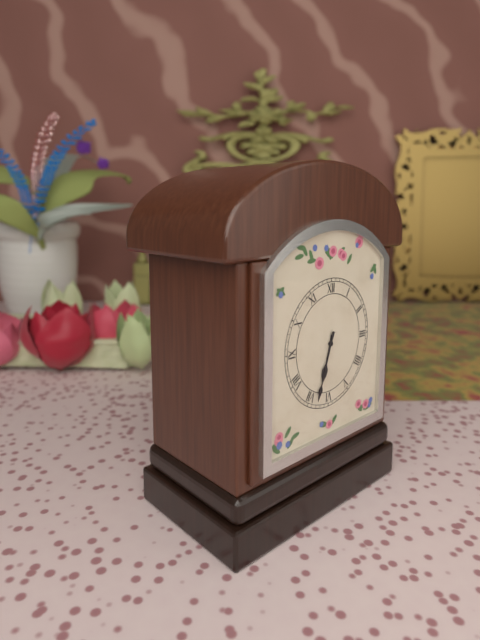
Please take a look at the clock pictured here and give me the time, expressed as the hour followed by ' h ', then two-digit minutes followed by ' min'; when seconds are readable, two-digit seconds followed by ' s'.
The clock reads 6 h 33 min
